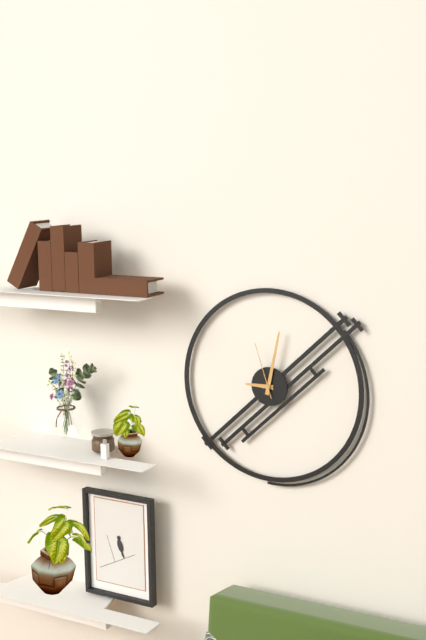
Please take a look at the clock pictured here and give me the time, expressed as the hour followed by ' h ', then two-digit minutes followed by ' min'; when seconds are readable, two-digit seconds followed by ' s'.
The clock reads 9 h 02 min 57 s
